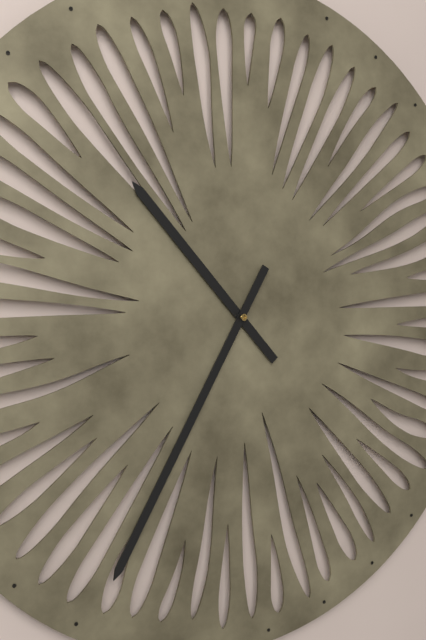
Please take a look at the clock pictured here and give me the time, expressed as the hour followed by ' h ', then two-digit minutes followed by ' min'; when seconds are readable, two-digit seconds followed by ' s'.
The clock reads 10 h 35 min
